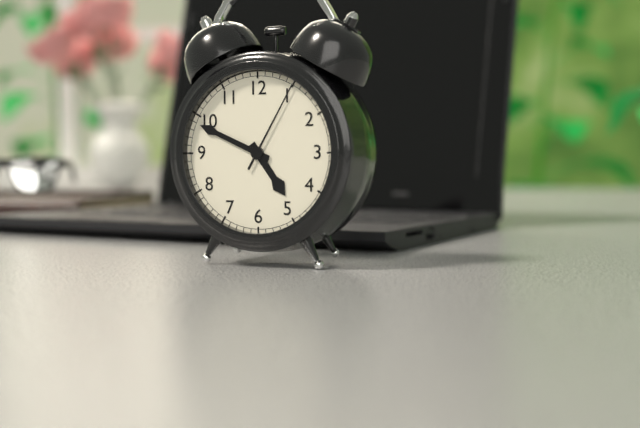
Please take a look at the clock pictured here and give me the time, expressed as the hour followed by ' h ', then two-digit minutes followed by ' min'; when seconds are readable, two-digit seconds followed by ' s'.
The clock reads 4 h 49 min 05 s
